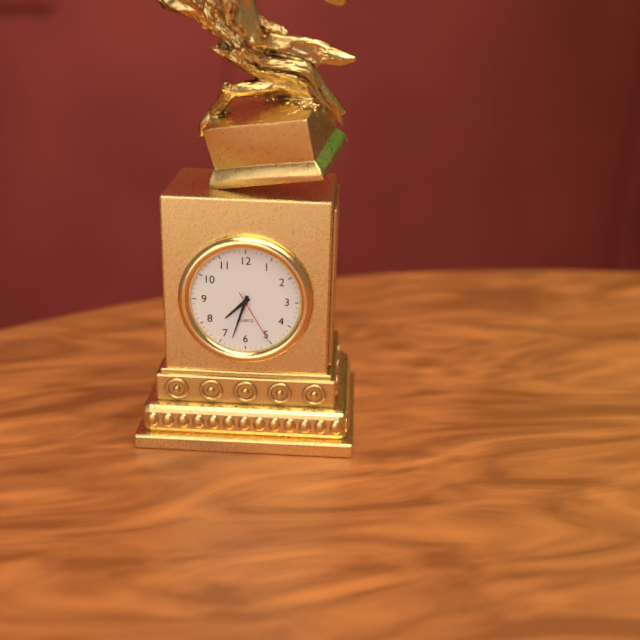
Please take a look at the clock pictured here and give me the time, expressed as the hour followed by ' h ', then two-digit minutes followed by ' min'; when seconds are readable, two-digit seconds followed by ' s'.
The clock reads 7 h 33 min 25 s
